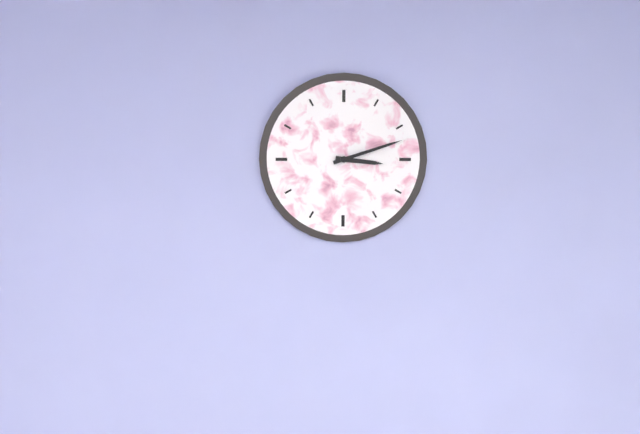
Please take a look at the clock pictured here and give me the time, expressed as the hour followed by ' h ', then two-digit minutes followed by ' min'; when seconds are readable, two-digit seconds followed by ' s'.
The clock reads 3 h 12 min
